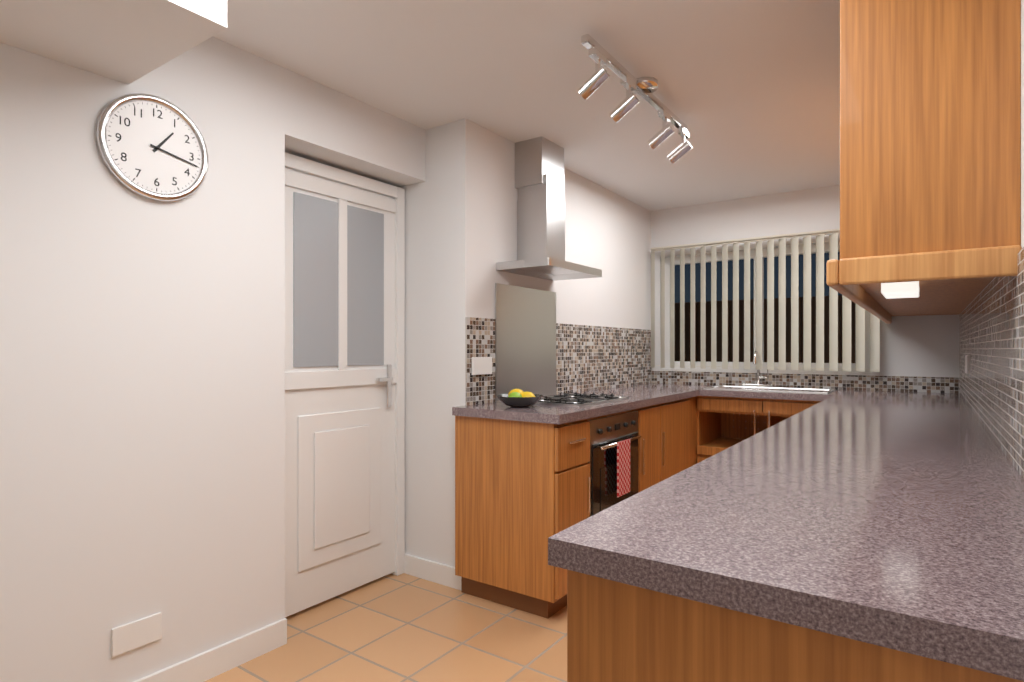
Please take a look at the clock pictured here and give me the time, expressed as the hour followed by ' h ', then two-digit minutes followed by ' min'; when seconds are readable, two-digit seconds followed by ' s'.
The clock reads 1 h 17 min
